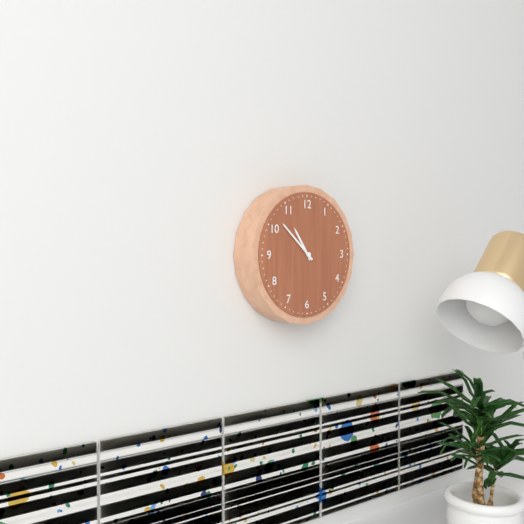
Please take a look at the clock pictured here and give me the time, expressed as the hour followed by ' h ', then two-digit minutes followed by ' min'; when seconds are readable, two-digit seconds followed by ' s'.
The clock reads 10 h 52 min
